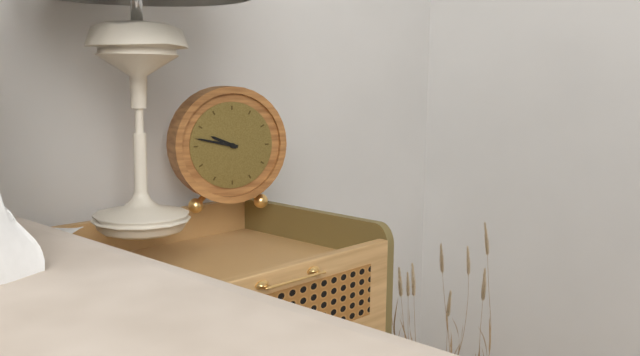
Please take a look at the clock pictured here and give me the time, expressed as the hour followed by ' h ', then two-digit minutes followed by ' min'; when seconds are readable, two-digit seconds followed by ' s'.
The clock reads 9 h 47 min
